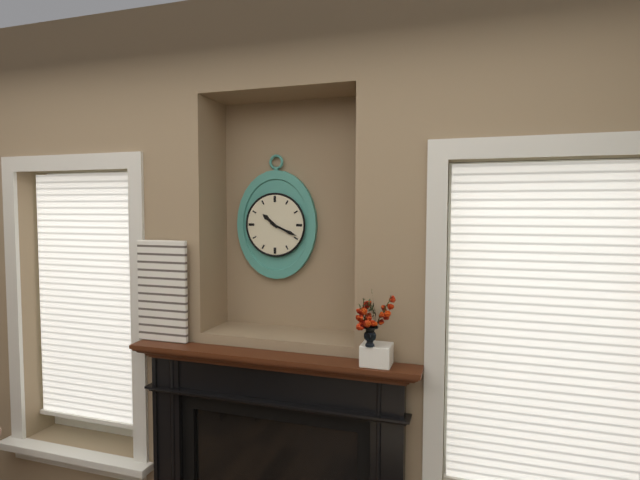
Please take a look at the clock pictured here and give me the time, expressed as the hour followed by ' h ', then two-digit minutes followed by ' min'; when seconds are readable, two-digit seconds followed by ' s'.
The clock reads 10 h 19 min
